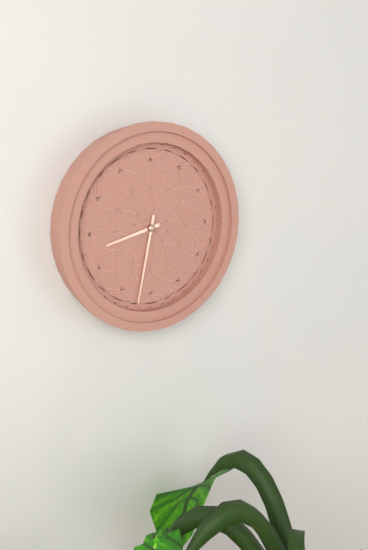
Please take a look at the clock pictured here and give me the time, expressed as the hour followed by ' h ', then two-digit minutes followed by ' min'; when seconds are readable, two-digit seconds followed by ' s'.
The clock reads 8 h 32 min
